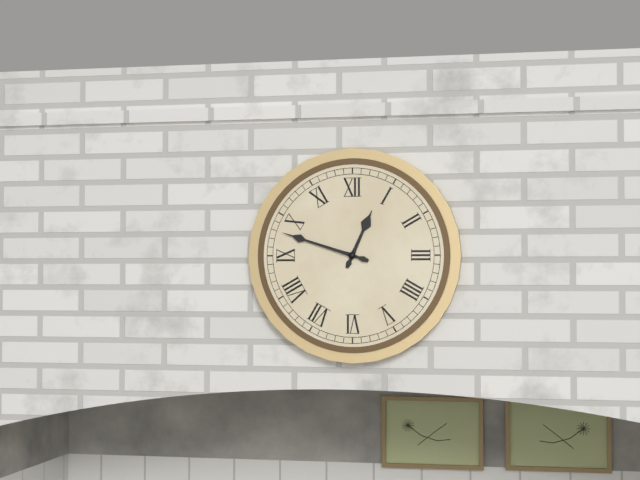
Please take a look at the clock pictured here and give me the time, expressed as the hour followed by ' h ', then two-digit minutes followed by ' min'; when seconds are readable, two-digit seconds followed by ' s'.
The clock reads 12 h 48 min
